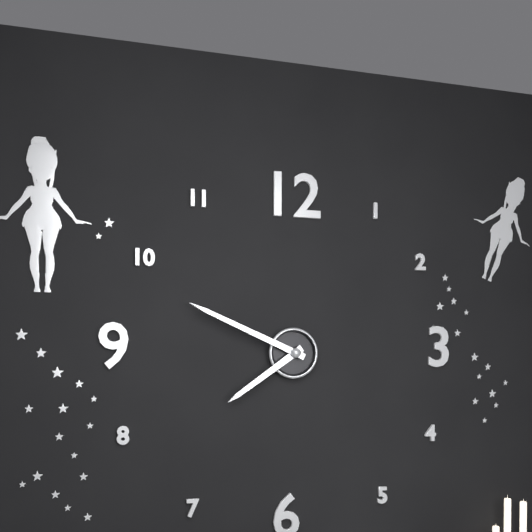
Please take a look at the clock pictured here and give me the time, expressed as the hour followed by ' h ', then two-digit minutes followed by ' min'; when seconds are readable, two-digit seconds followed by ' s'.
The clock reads 7 h 49 min
